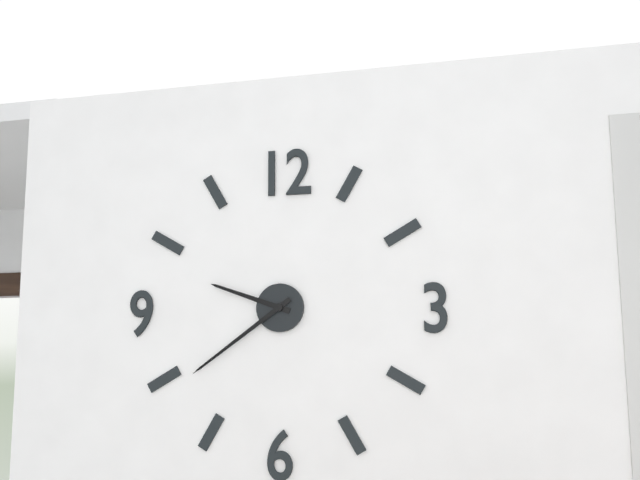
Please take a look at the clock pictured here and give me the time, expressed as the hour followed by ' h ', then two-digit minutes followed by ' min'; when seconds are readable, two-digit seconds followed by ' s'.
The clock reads 9 h 39 min
